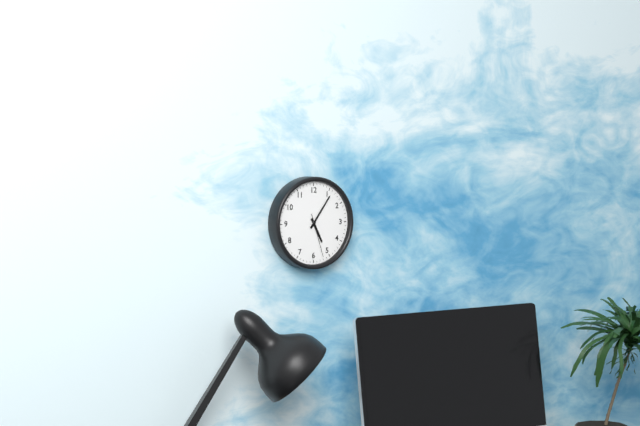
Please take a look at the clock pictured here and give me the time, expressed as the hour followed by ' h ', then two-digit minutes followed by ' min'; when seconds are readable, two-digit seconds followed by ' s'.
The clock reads 5 h 06 min
